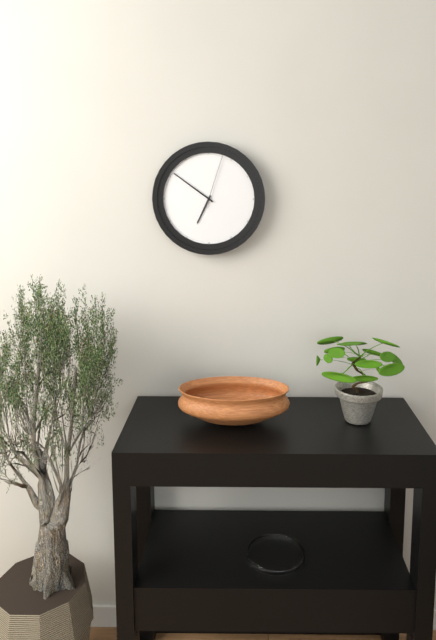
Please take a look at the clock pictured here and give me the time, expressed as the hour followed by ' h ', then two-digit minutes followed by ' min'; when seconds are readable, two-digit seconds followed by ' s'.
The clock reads 6 h 51 min 03 s
